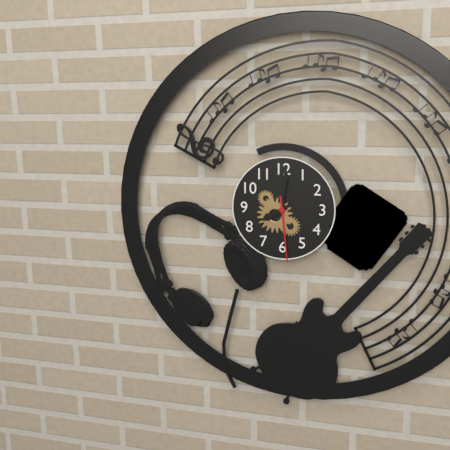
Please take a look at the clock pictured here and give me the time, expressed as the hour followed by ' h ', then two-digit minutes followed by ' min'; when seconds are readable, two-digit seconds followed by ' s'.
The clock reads 8 h 01 min 29 s
